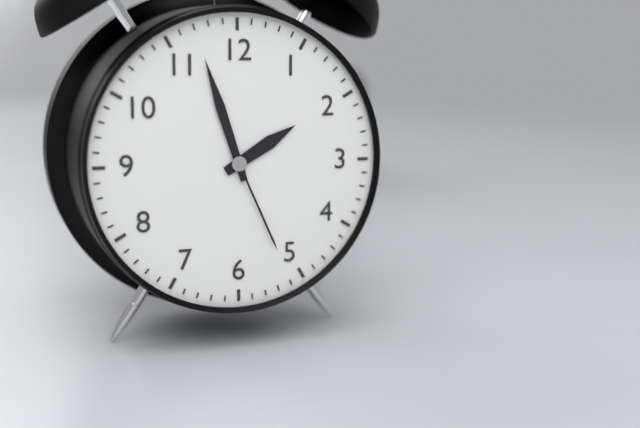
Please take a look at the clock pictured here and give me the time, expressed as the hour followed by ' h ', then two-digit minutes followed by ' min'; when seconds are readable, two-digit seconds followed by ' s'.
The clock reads 1 h 57 min 26 s
